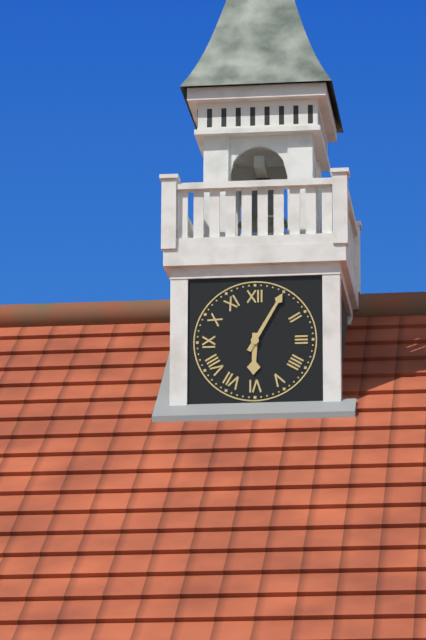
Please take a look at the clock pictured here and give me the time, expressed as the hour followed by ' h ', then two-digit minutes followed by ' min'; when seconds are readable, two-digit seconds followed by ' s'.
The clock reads 6 h 05 min
